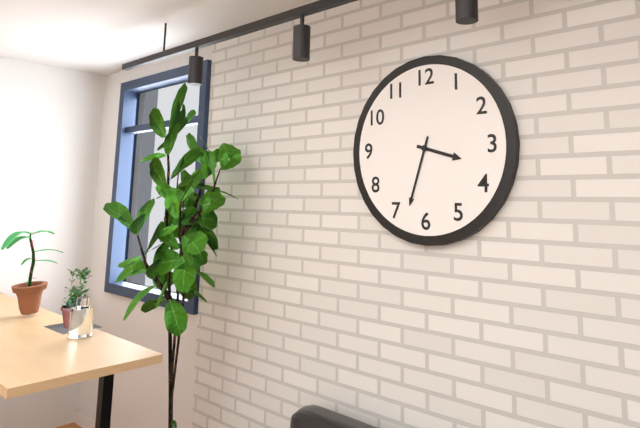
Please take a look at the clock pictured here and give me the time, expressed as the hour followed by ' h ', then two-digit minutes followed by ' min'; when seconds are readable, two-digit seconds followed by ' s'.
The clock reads 3 h 33 min
